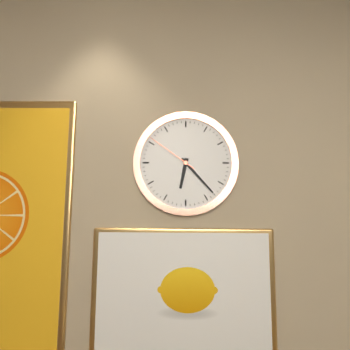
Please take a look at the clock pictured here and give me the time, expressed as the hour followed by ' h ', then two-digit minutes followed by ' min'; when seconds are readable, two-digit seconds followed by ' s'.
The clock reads 6 h 23 min 51 s
